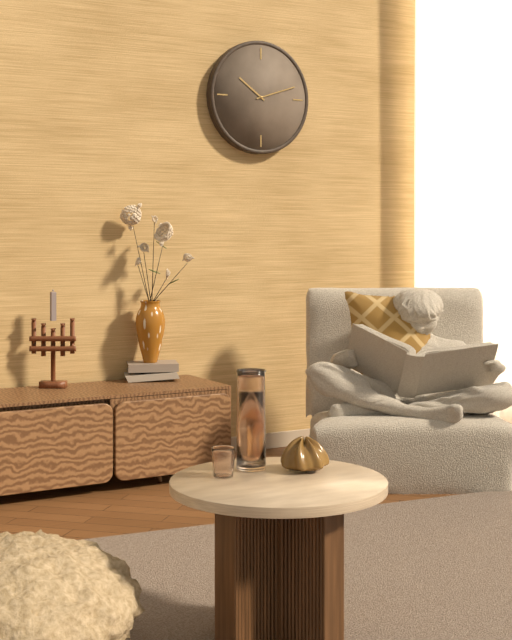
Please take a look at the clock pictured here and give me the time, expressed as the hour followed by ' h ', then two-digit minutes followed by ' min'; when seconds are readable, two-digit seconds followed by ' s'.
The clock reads 10 h 12 min
